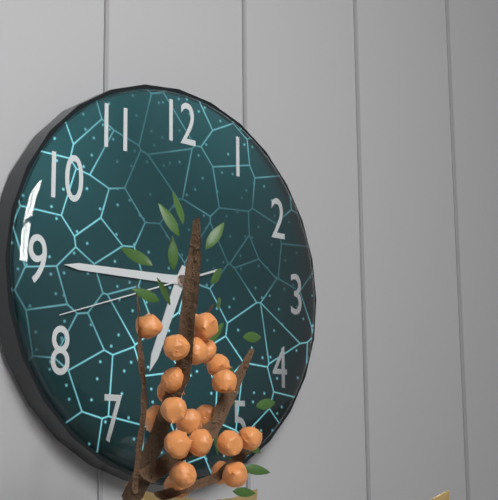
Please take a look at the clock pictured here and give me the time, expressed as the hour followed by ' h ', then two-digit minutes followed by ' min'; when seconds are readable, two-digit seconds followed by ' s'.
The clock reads 6 h 45 min 42 s
